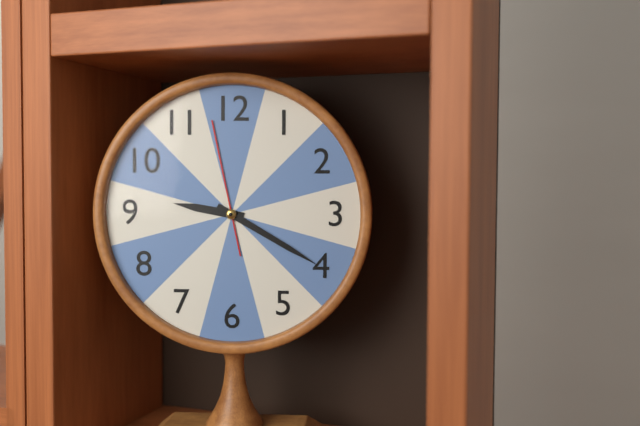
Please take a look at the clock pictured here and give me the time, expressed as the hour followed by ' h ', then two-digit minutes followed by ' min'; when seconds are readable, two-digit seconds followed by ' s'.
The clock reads 9 h 20 min 58 s
